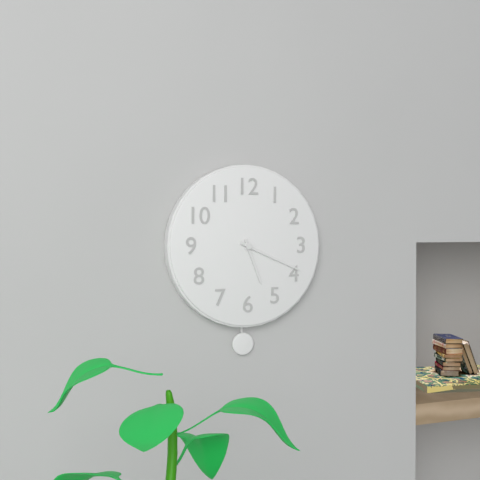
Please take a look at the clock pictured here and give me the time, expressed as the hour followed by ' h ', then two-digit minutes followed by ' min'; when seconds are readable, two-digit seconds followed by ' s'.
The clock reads 5 h 19 min
